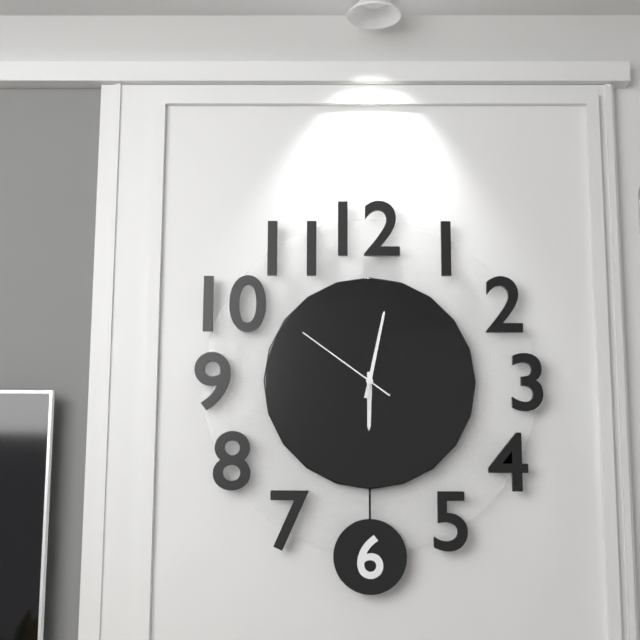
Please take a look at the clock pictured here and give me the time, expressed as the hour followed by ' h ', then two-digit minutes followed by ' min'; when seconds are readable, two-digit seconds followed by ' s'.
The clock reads 6 h 02 min 51 s
